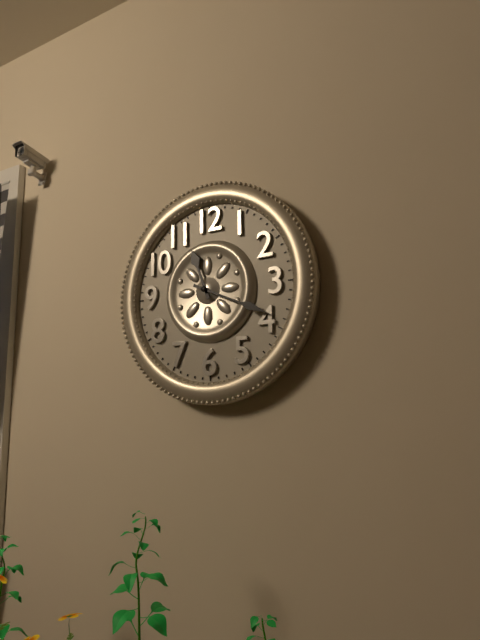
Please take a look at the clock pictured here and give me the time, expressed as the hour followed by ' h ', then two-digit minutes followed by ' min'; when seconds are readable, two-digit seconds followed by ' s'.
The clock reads 11 h 19 min
